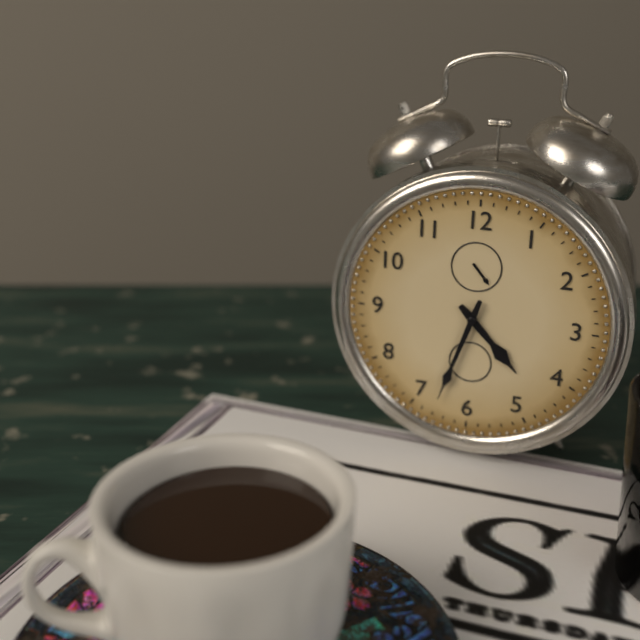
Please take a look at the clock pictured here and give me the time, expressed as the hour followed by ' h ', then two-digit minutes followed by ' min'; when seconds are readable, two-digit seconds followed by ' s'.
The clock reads 4 h 33 min
